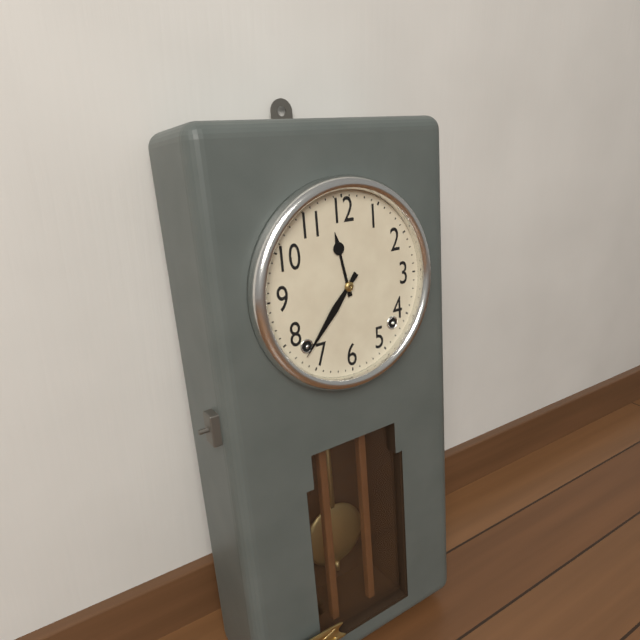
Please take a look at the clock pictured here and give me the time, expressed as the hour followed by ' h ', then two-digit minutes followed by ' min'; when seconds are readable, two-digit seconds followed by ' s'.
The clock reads 11 h 37 min
